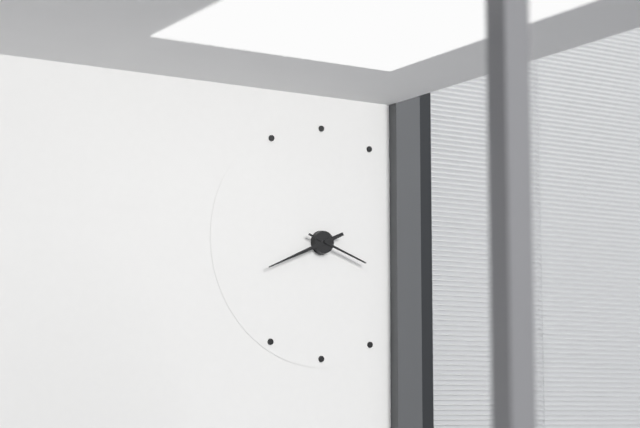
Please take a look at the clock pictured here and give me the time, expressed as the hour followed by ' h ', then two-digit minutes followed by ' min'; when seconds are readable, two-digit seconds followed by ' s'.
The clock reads 3 h 41 min
